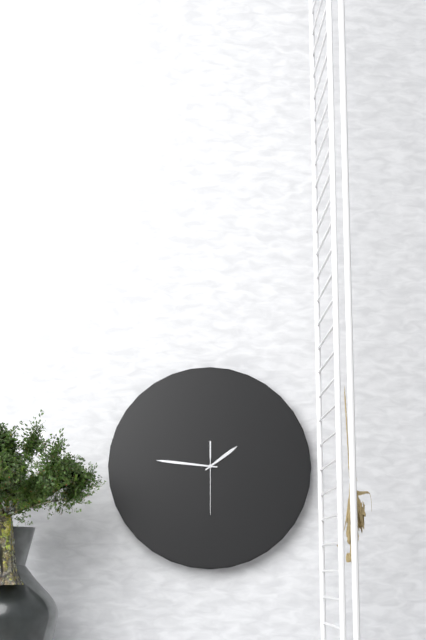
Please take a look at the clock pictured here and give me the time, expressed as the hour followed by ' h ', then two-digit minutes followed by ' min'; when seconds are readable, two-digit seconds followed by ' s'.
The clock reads 1 h 46 min 30 s
